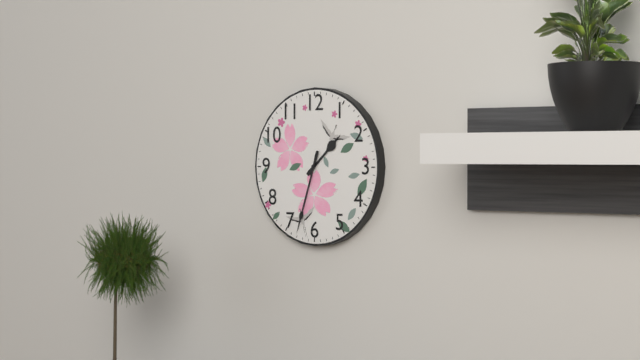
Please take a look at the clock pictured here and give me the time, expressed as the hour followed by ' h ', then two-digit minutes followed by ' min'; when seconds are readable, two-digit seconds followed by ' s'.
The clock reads 1 h 33 min
